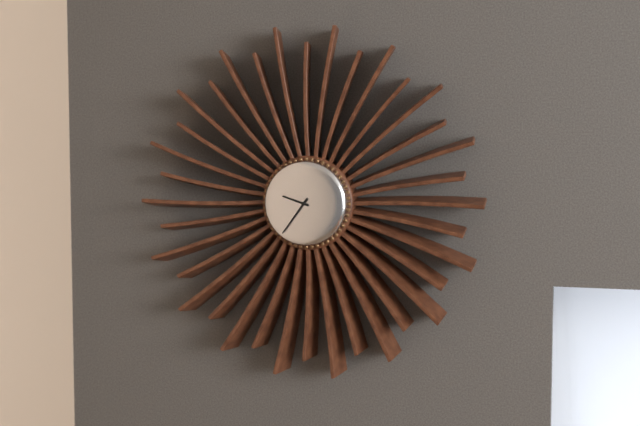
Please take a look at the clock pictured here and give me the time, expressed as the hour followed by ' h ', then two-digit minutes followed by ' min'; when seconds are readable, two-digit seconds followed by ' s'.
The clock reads 9 h 36 min
